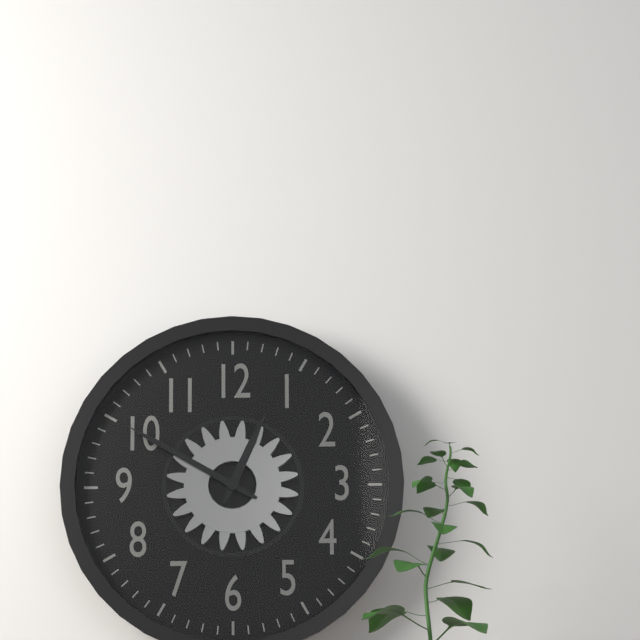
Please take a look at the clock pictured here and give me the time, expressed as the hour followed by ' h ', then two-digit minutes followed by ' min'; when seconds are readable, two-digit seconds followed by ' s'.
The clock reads 12 h 50 min
